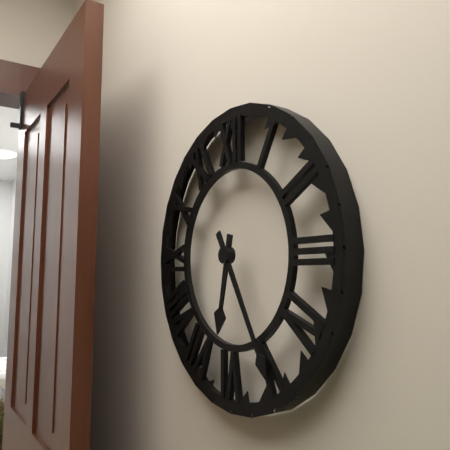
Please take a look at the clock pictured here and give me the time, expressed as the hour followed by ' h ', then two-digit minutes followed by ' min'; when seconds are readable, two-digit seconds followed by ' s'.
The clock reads 6 h 25 min
